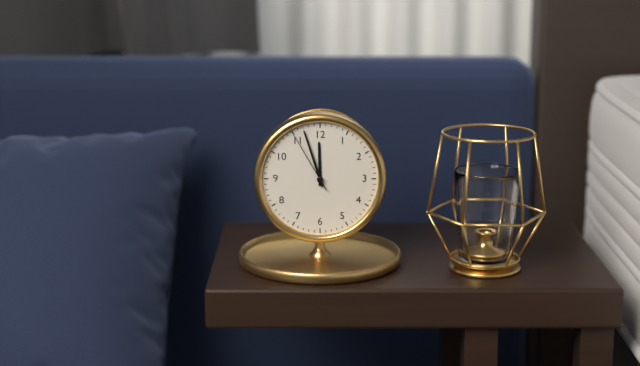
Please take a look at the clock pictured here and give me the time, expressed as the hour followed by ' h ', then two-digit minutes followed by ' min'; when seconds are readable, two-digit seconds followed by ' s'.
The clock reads 11 h 57 min 55 s
